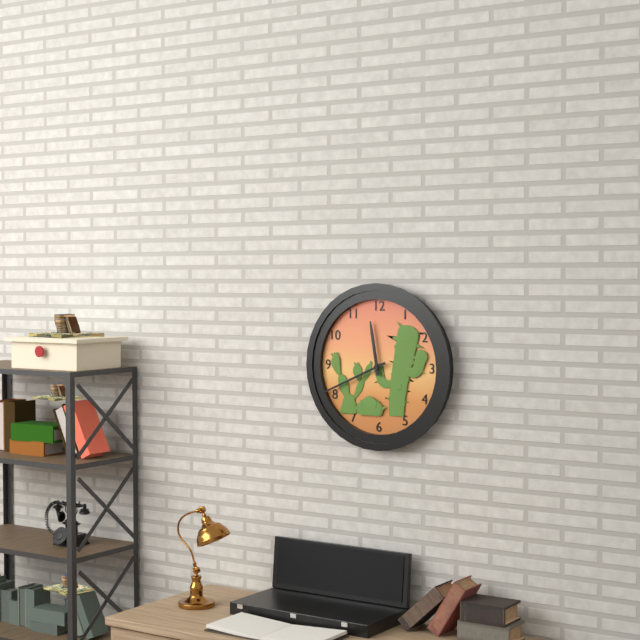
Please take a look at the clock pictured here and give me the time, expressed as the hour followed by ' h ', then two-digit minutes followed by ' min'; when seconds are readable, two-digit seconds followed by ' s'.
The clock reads 11 h 41 min
